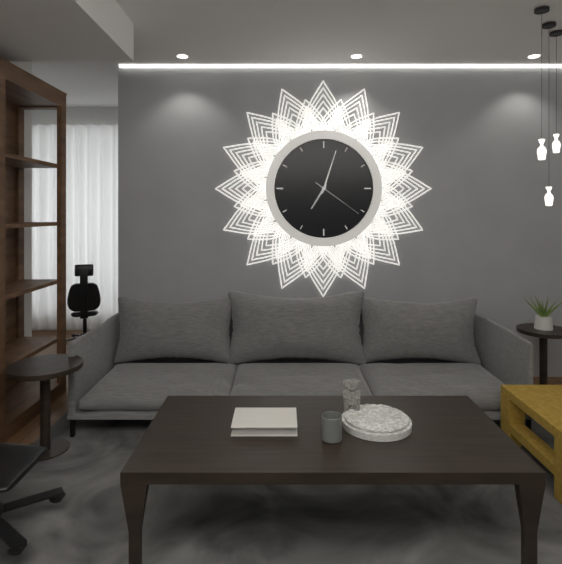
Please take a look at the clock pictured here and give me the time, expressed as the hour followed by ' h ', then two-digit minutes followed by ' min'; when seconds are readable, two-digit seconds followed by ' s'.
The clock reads 7 h 03 min 21 s
